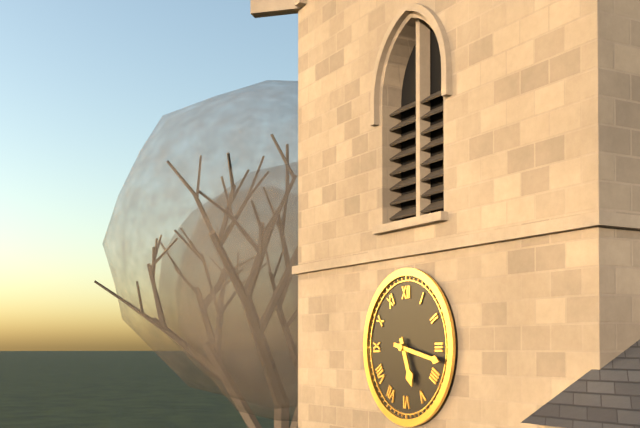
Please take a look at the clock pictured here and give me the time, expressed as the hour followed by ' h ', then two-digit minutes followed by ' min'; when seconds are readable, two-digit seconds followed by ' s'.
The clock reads 5 h 17 min
